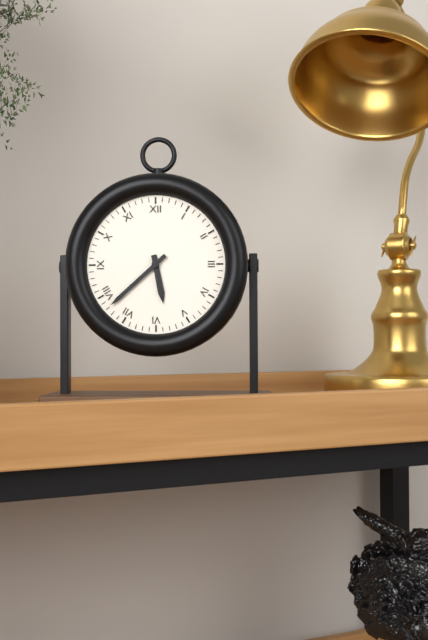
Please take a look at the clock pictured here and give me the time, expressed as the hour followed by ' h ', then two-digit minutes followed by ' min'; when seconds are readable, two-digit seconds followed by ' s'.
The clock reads 5 h 38 min
